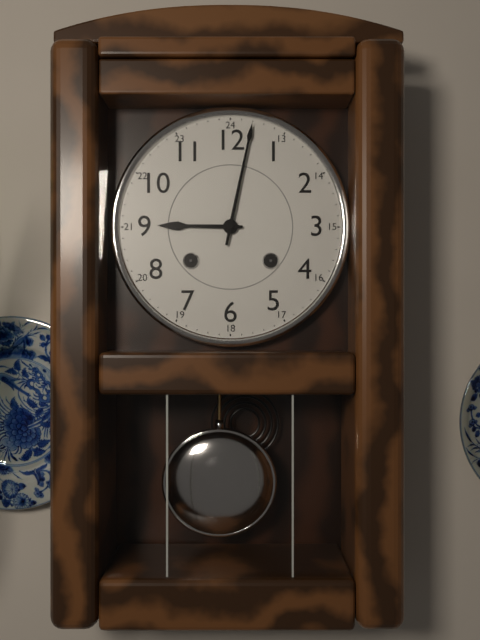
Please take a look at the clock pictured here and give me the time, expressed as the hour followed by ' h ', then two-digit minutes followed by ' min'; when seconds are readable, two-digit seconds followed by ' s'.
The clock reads 9 h 02 min
